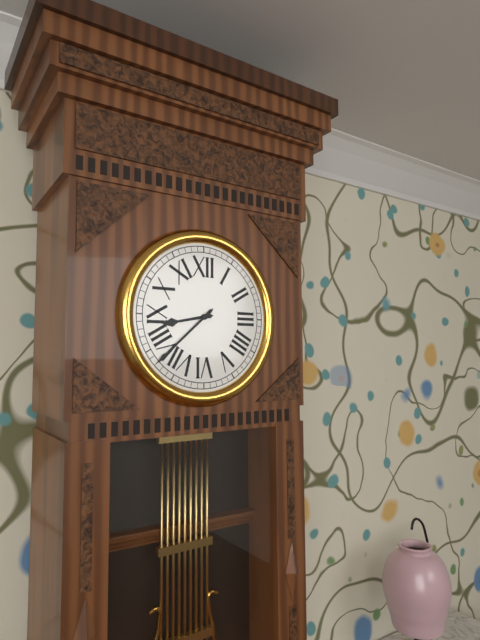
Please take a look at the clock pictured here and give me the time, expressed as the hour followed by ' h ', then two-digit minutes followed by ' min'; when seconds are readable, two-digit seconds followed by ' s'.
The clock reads 8 h 38 min
